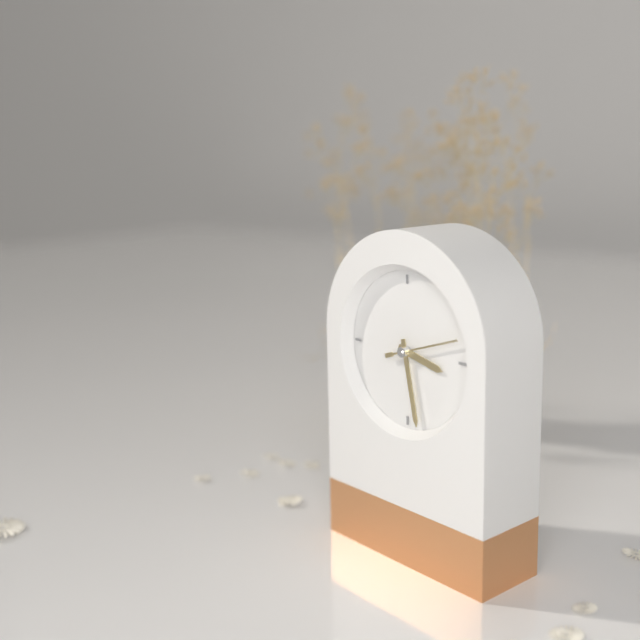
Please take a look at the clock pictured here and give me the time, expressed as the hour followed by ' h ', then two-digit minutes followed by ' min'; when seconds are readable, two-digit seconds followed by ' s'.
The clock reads 3 h 28 min 12 s
